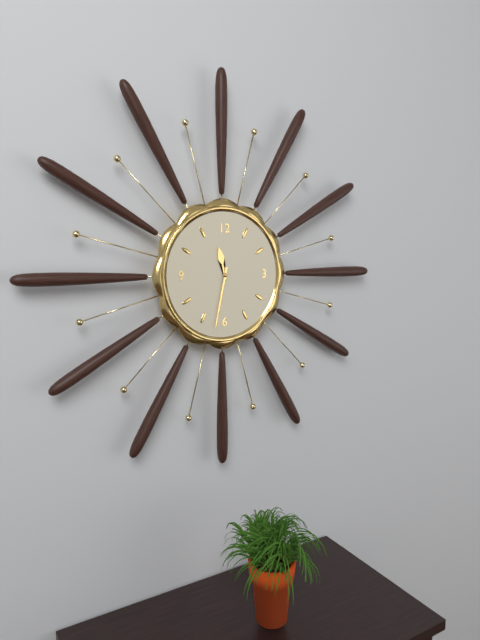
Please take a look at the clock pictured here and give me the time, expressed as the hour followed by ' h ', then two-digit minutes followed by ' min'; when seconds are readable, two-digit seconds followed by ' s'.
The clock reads 11 h 32 min
